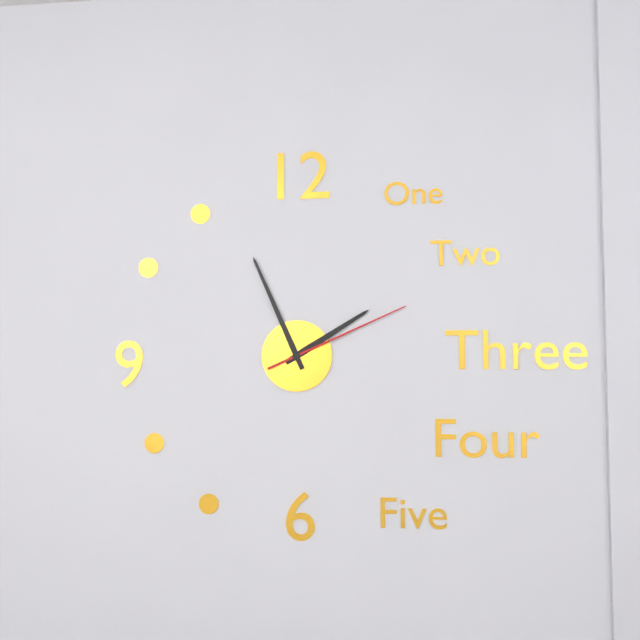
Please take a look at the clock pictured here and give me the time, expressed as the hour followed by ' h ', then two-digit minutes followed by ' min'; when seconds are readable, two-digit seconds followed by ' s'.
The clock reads 1 h 56 min 11 s
